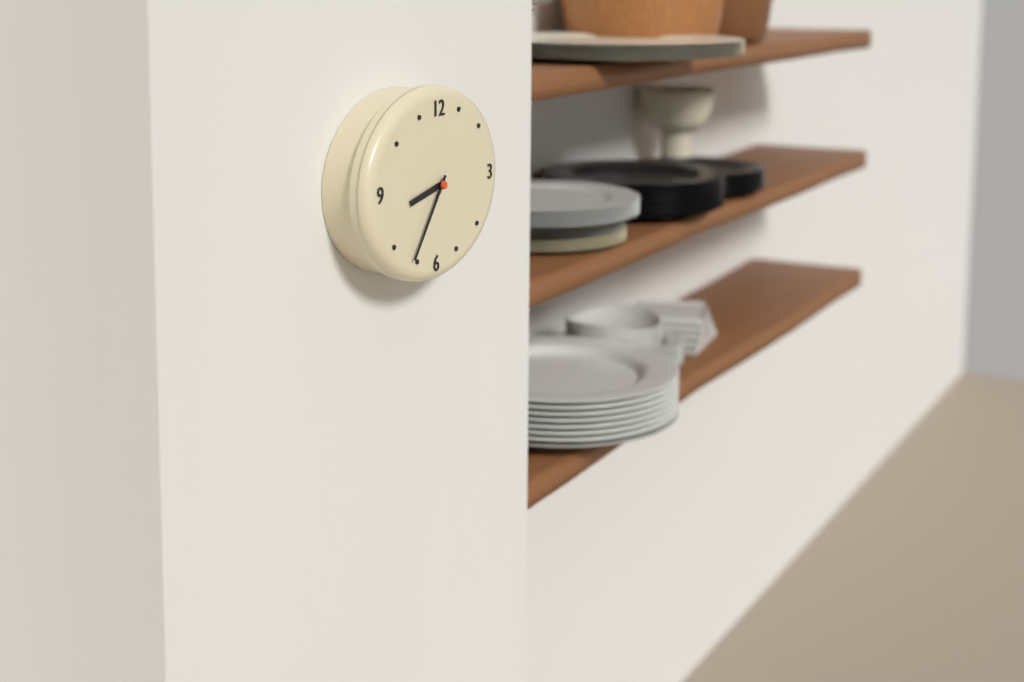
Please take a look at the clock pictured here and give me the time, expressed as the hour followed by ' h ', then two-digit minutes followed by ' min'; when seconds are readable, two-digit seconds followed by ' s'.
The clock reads 8 h 36 min
